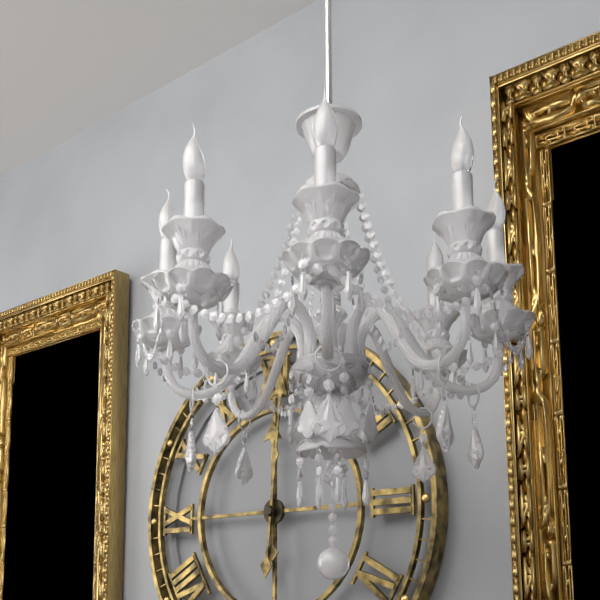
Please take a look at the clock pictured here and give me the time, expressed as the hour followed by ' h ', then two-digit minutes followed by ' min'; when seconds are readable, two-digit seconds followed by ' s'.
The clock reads 12 h 01 min
